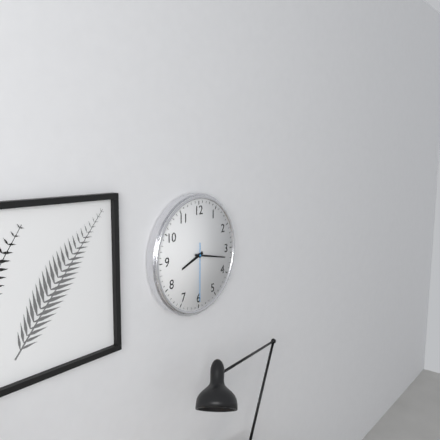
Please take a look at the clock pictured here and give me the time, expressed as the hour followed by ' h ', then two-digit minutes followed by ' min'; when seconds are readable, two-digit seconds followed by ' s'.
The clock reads 8 h 17 min 30 s
